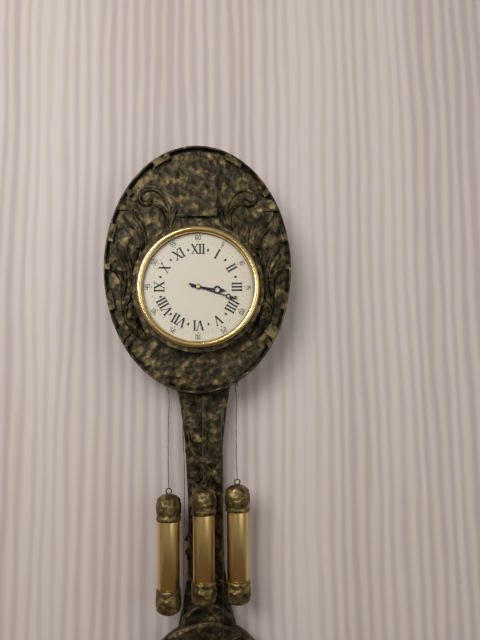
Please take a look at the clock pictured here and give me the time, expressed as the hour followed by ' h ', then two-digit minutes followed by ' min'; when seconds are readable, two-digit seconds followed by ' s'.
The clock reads 3 h 18 min
